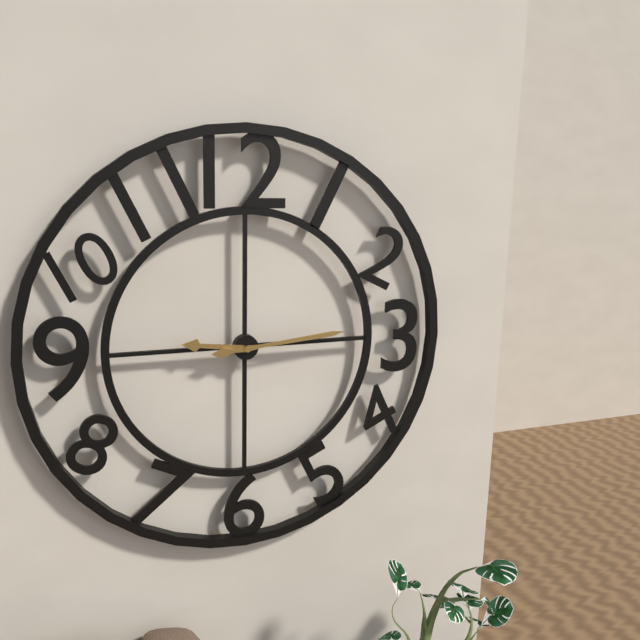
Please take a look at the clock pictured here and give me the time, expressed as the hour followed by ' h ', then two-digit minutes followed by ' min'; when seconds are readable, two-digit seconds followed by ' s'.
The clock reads 9 h 14 min
